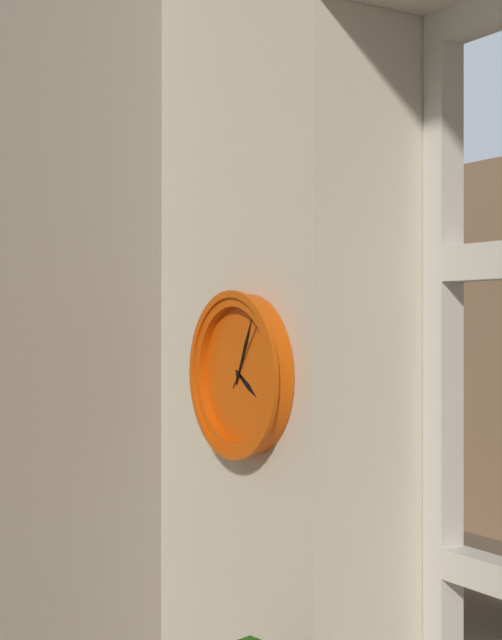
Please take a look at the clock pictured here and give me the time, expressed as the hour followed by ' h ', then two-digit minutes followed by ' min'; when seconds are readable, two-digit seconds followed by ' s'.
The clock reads 4 h 04 min 06 s
